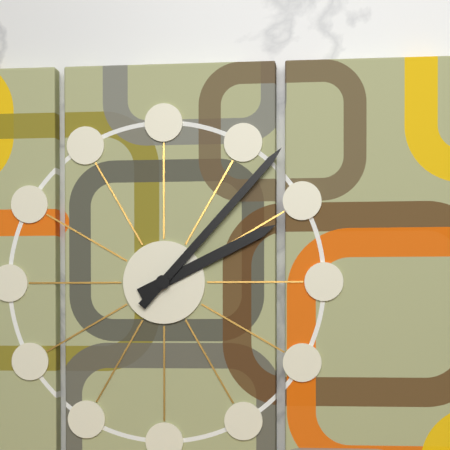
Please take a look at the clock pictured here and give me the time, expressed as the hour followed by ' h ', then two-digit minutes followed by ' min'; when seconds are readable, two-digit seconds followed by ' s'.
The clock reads 2 h 07 min
